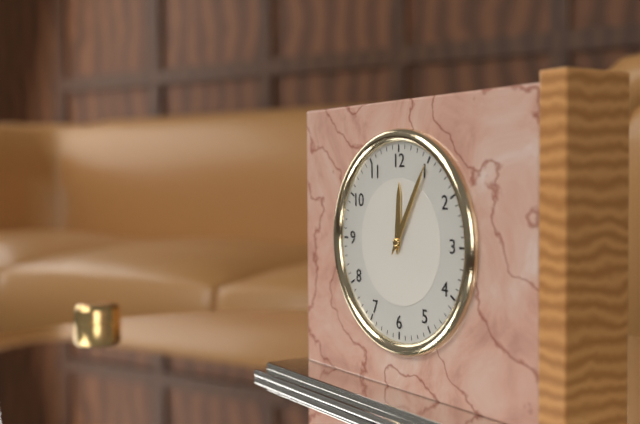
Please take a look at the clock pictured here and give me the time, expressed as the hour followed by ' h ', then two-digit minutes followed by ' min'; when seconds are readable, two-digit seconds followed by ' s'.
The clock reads 12 h 05 min
